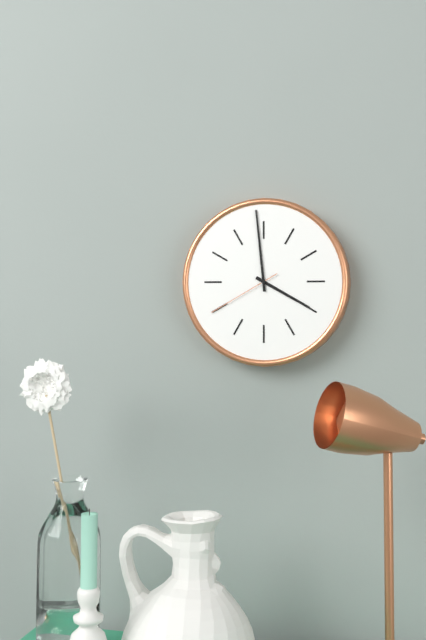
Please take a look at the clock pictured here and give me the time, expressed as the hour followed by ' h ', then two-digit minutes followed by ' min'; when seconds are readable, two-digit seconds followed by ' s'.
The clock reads 3 h 59 min 40 s
